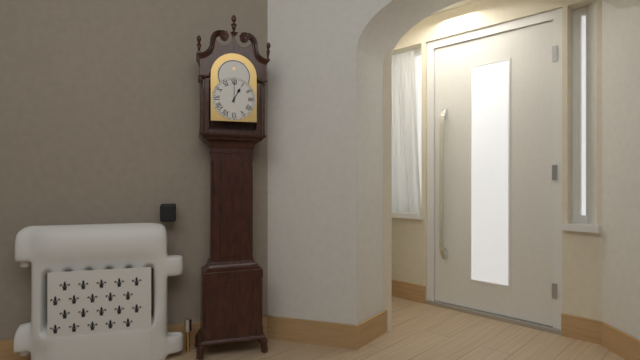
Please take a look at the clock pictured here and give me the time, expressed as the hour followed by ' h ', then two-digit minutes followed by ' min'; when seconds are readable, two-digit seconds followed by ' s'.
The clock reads 1 h 00 min
